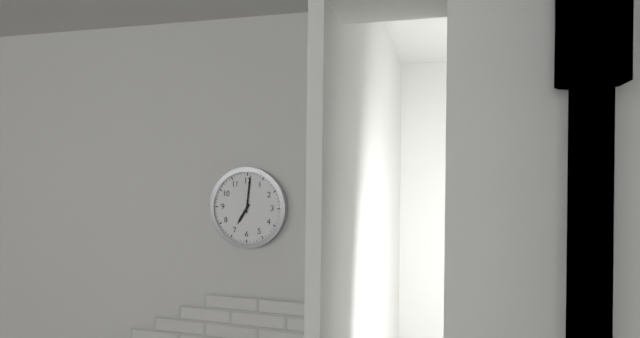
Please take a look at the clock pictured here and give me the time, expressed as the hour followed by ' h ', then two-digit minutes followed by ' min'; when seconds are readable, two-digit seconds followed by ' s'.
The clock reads 7 h 01 min
